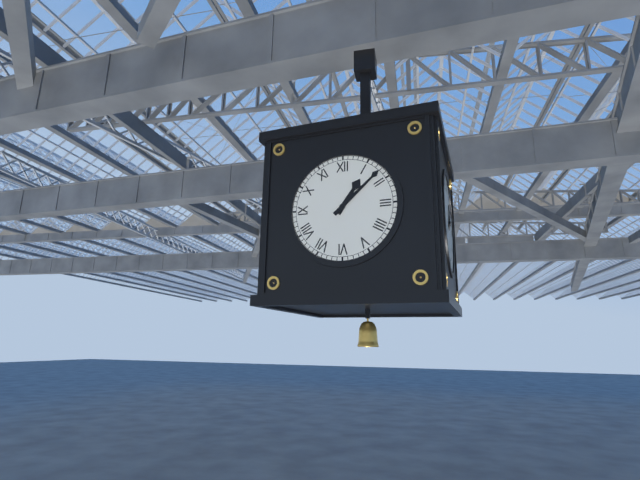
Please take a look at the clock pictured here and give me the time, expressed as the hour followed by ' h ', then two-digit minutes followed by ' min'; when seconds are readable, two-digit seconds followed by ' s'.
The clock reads 1 h 08 min
